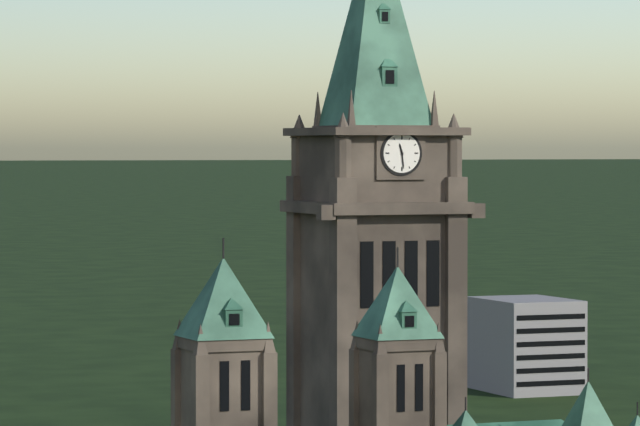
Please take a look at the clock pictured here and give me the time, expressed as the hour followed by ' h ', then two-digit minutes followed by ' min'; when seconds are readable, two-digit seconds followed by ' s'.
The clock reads 11 h 29 min
